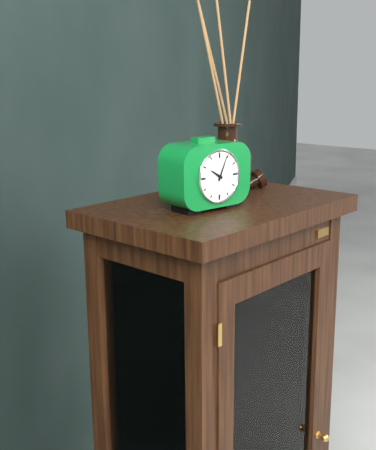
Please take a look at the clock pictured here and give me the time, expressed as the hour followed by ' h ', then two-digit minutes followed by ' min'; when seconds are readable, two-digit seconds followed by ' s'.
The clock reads 10 h 04 min
